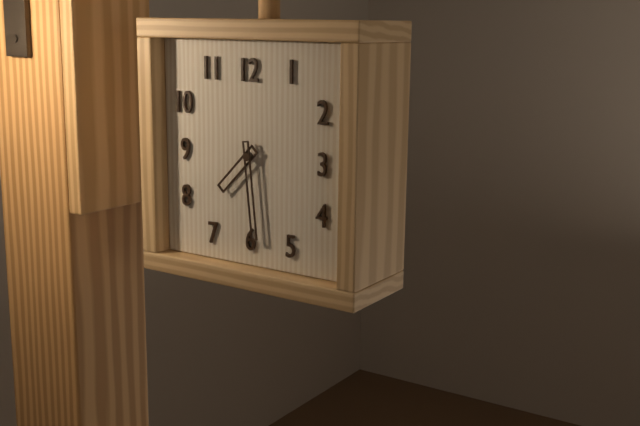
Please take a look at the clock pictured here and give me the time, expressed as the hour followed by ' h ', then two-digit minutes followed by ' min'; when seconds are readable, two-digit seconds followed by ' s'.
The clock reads 7 h 29 min
